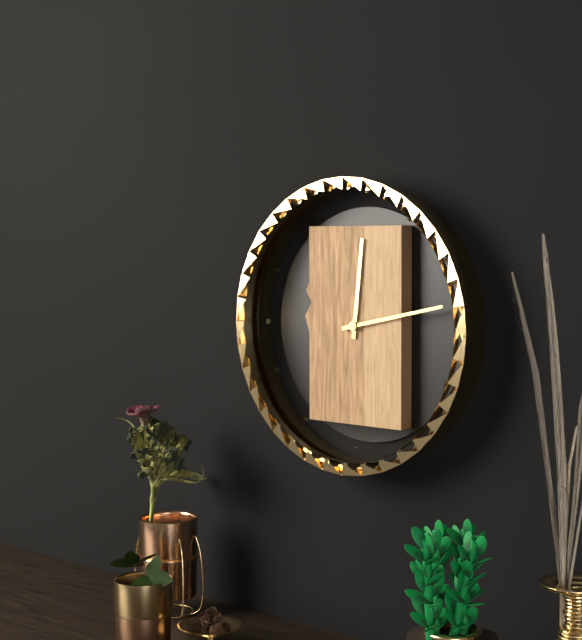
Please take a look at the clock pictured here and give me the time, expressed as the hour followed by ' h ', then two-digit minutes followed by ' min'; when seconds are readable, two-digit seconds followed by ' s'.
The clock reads 12 h 13 min
